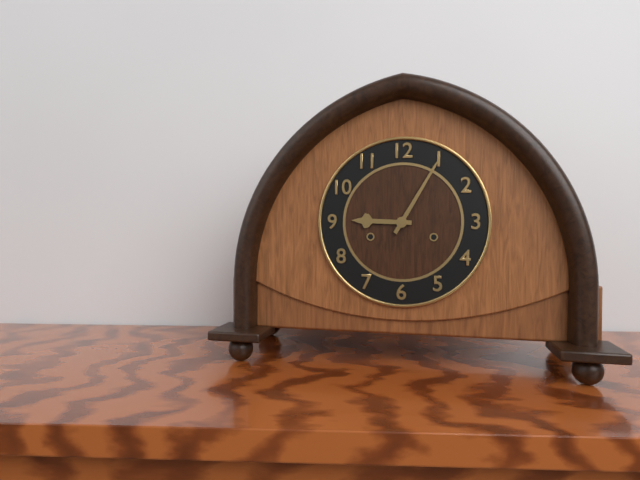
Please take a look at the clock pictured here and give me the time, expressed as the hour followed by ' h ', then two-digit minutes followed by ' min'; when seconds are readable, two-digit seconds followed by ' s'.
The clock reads 9 h 05 min
